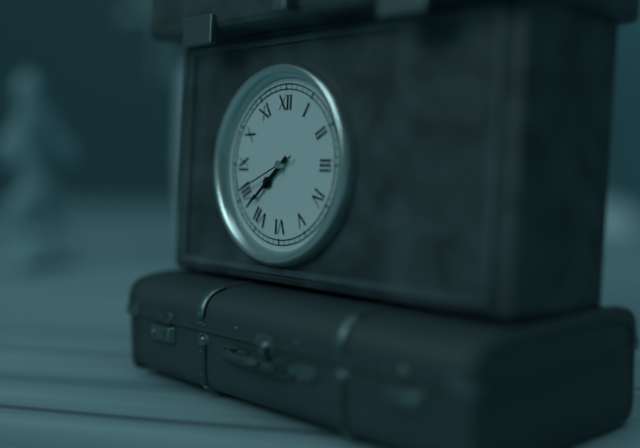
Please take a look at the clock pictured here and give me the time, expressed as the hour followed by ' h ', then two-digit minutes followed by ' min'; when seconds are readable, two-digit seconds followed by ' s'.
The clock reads 7 h 38 min 41 s
